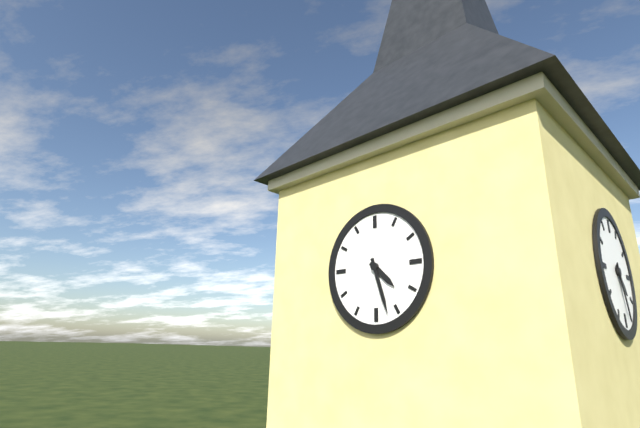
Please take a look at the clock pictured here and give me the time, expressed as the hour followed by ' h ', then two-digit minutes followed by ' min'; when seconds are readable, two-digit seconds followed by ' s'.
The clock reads 4 h 27 min
